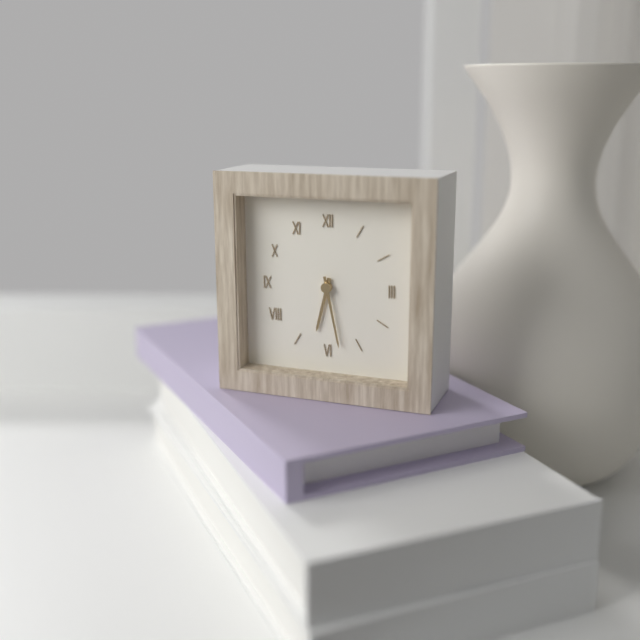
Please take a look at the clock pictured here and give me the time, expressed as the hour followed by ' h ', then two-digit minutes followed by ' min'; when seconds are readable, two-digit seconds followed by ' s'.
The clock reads 6 h 28 min
